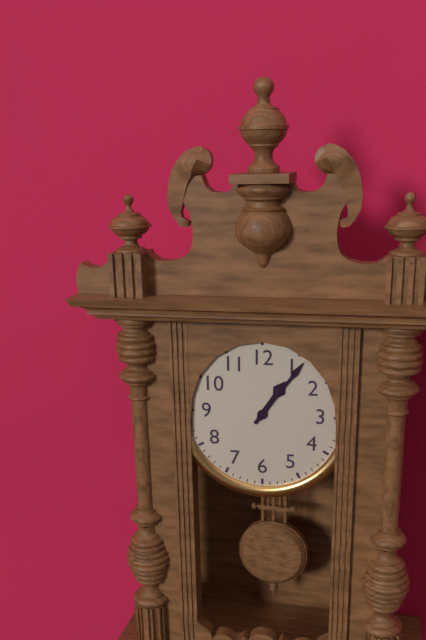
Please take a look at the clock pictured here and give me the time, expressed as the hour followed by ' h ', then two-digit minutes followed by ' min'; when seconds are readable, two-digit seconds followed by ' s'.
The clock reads 1 h 06 min
